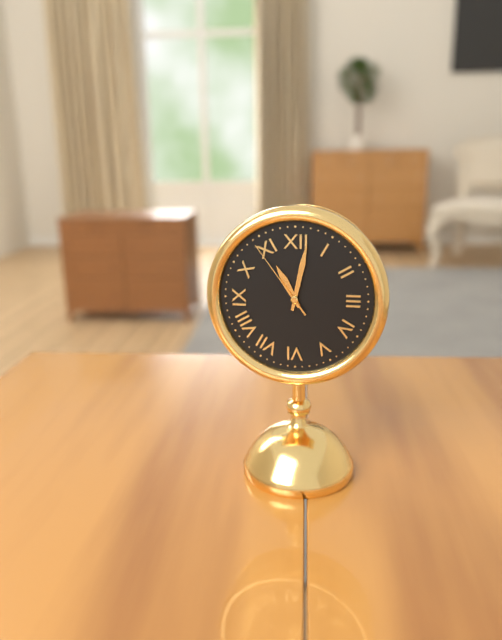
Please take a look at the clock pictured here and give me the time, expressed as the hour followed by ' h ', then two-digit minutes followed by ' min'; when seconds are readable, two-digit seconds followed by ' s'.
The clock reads 11 h 02 min 54 s
